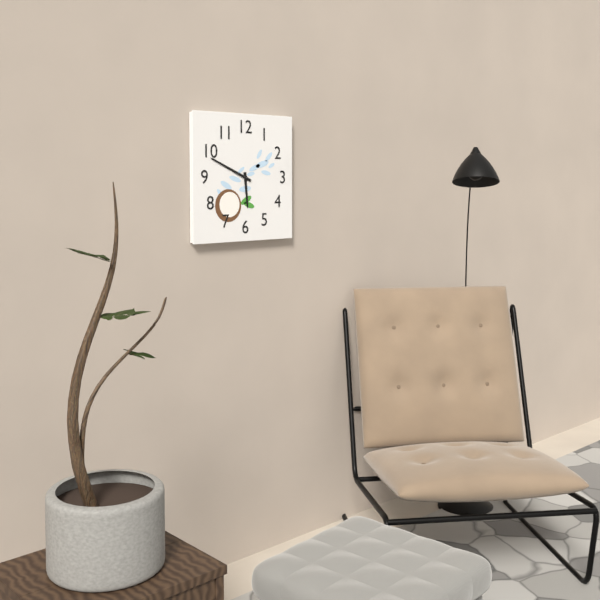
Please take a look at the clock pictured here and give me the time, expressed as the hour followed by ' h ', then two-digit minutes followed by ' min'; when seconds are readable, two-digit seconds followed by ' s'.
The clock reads 5 h 49 min
